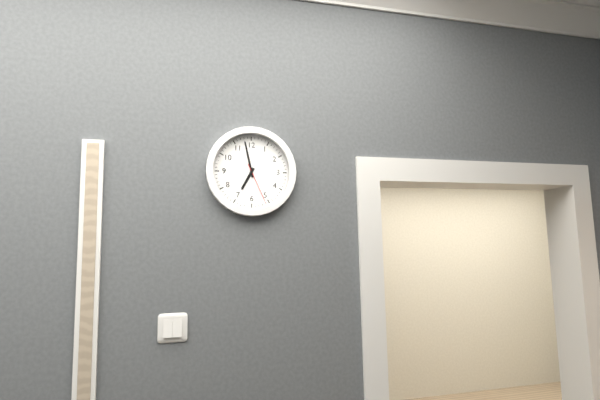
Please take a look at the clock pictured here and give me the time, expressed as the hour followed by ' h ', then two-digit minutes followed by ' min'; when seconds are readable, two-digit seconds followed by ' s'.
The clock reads 6 h 58 min
